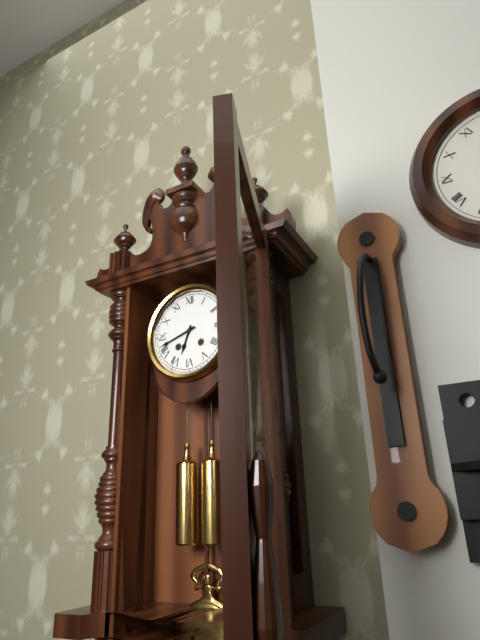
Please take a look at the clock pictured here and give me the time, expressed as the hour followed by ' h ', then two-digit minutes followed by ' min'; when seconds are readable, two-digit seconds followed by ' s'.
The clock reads 6 h 42 min
